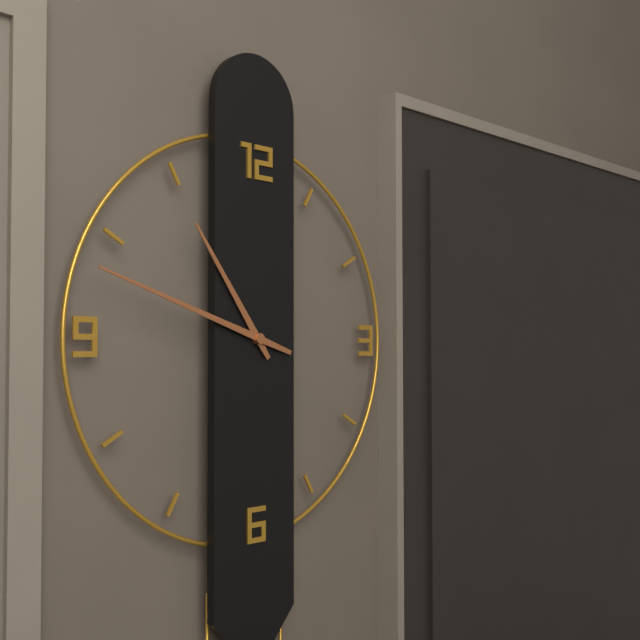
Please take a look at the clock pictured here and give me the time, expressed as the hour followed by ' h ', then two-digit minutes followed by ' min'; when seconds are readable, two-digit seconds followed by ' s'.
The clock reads 10 h 48 min
